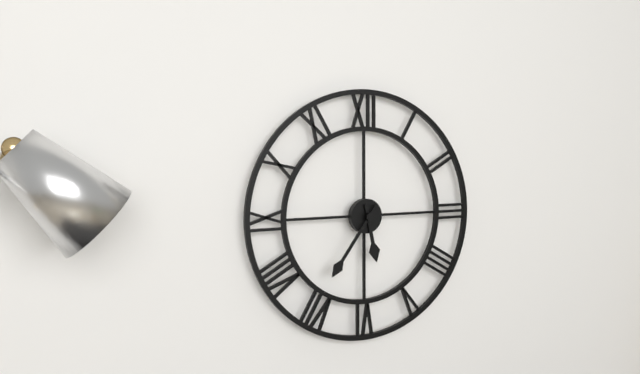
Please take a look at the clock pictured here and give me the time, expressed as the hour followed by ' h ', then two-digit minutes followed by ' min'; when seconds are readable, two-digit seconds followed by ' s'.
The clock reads 5 h 36 min
